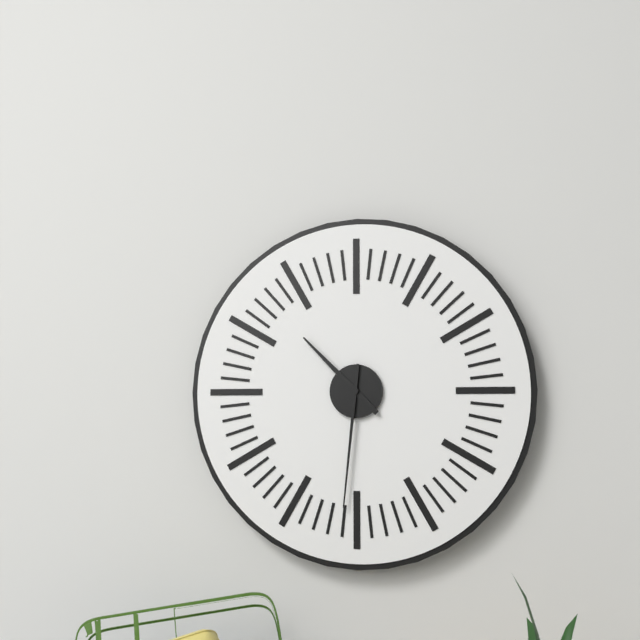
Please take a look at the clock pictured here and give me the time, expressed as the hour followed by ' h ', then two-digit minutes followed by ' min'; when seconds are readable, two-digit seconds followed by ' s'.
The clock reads 10 h 31 min
